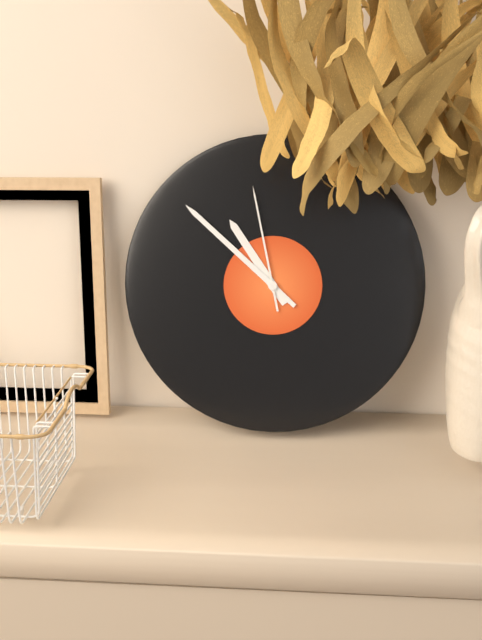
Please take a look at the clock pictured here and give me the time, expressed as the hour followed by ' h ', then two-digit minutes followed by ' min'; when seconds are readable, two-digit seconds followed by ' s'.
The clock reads 10 h 52 min 58 s
